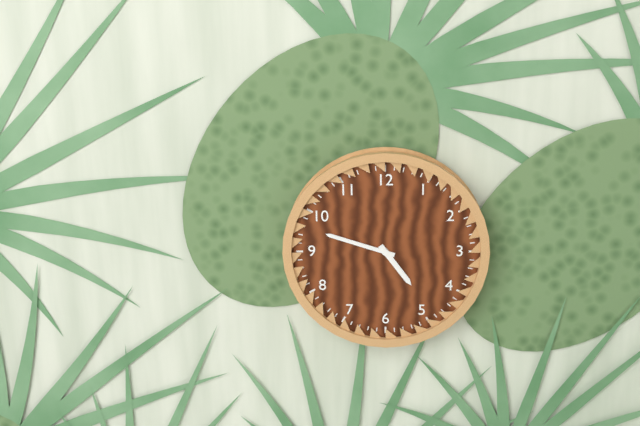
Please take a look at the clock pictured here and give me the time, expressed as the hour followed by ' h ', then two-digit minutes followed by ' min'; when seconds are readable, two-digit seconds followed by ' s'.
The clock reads 4 h 48 min
